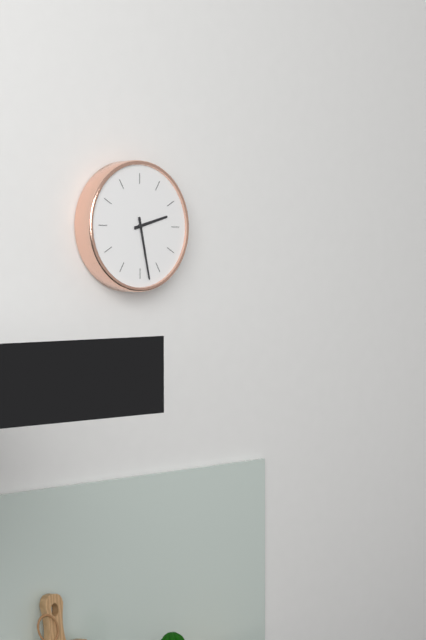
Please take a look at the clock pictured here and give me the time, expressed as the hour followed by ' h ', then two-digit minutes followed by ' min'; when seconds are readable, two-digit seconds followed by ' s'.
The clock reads 2 h 28 min
